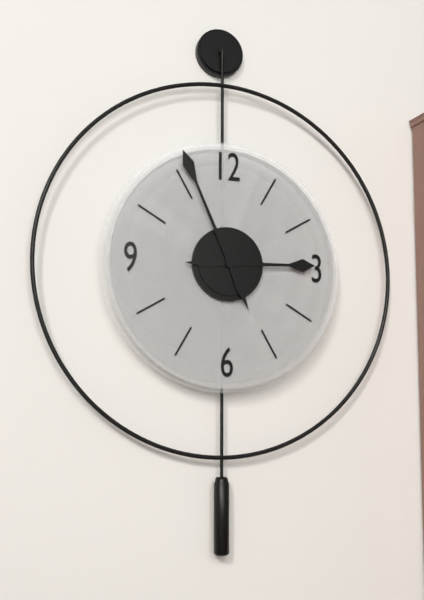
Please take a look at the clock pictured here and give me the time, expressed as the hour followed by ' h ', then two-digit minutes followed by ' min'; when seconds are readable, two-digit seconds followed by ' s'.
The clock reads 2 h 56 min
